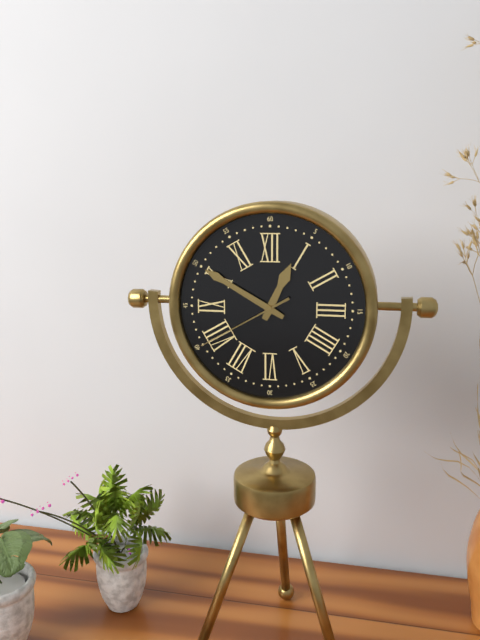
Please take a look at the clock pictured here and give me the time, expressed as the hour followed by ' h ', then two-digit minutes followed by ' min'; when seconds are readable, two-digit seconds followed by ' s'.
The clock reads 12 h 50 min 40 s
